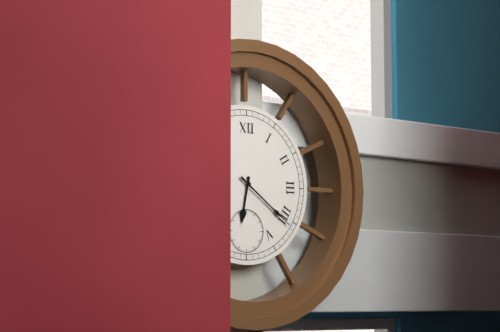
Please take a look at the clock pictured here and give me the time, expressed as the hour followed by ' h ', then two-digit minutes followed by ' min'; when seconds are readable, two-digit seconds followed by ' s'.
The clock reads 6 h 21 min
